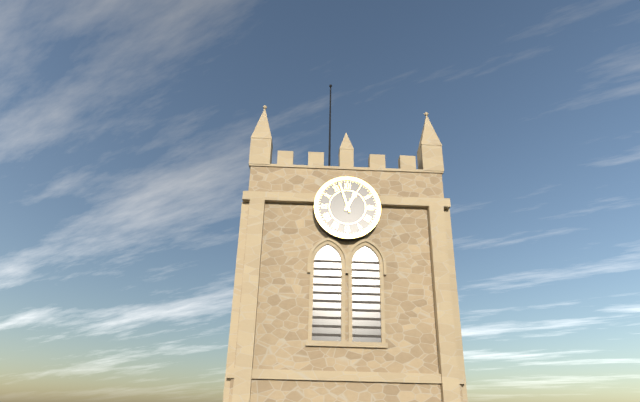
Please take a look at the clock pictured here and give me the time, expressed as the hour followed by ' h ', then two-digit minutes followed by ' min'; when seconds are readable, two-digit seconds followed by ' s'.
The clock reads 12 h 57 min
